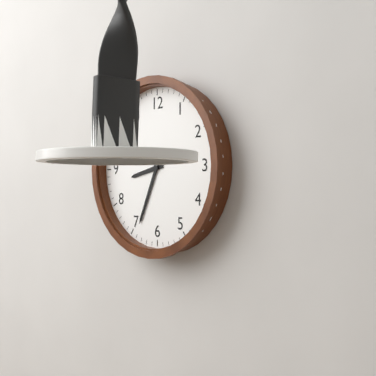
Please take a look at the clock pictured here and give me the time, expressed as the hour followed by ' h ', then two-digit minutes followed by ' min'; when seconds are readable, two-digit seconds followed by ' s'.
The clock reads 8 h 34 min
